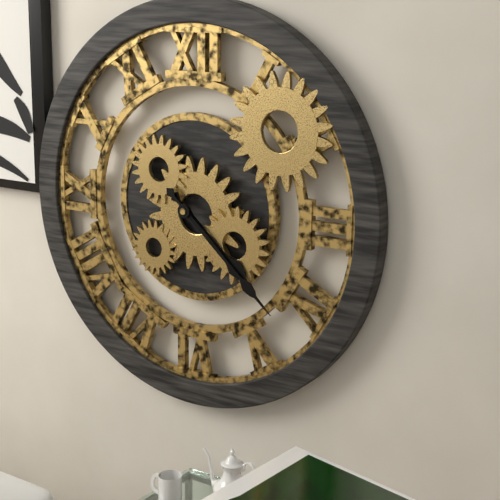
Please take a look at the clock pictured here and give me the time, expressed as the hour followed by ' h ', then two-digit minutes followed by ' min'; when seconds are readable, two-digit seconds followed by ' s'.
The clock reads 4 h 22 min
